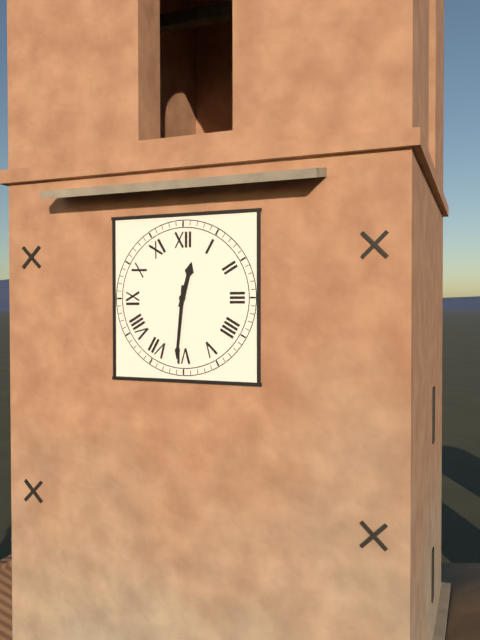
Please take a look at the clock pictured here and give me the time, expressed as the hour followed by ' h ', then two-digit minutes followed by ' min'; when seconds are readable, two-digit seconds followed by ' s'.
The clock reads 12 h 31 min
